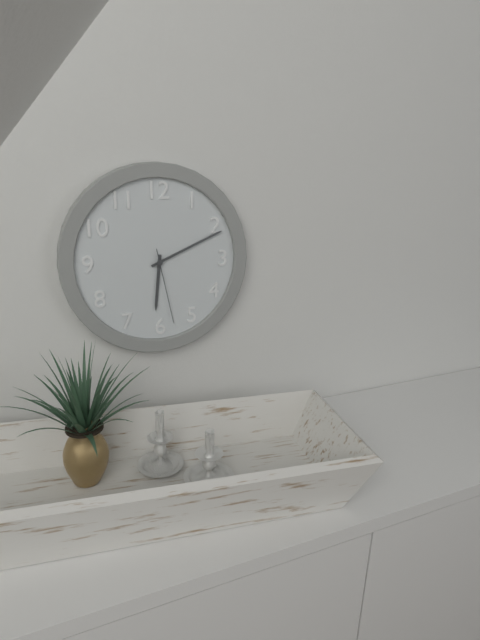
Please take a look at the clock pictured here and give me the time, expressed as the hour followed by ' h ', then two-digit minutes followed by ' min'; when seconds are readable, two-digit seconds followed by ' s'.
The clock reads 6 h 11 min 28 s
